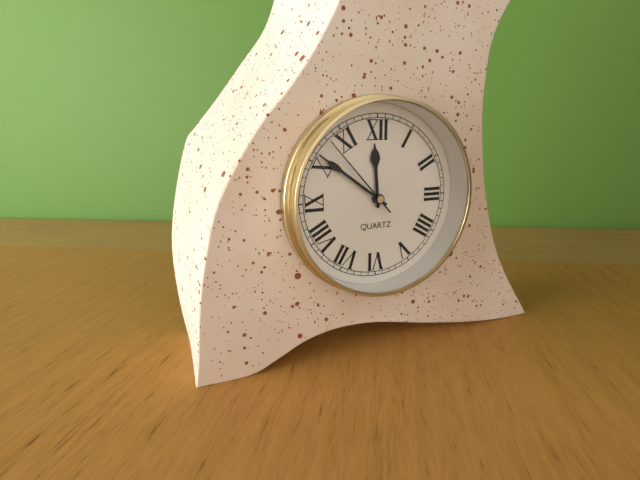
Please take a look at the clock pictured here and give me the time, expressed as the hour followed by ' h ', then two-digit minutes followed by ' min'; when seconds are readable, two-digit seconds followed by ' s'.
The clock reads 11 h 51 min 53 s
